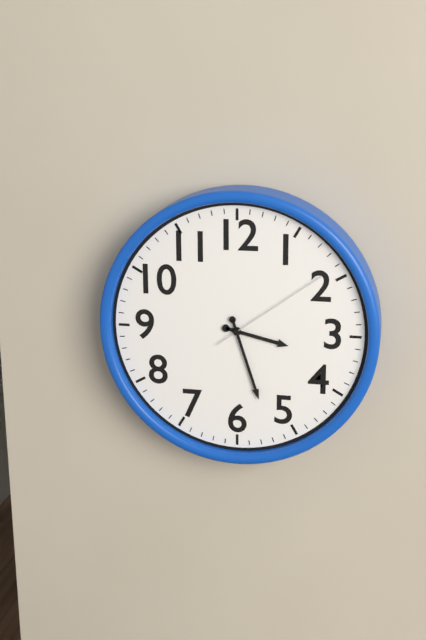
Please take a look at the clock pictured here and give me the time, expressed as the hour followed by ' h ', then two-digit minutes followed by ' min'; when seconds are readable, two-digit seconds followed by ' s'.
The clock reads 3 h 27 min 09 s
